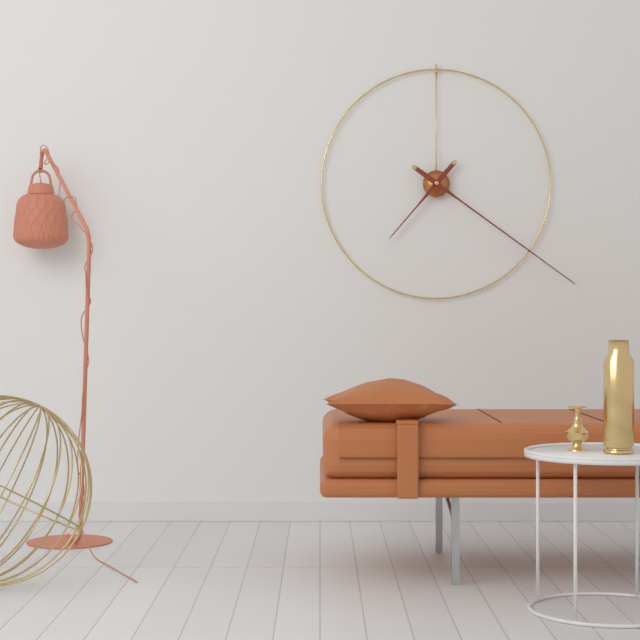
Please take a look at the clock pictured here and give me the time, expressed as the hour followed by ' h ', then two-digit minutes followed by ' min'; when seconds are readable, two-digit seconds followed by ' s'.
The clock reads 7 h 21 min
